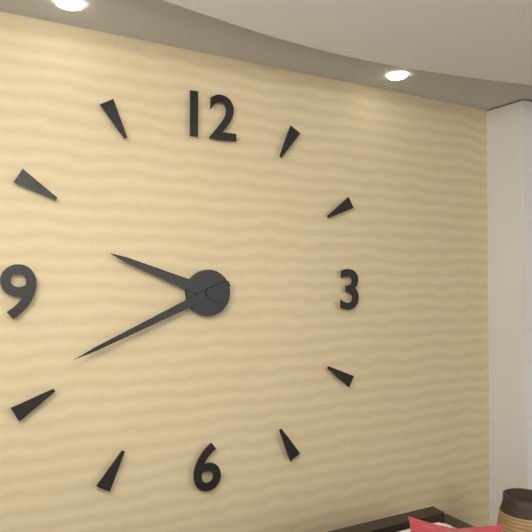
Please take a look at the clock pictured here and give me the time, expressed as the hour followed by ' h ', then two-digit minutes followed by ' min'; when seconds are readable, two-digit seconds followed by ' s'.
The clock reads 9 h 41 min
